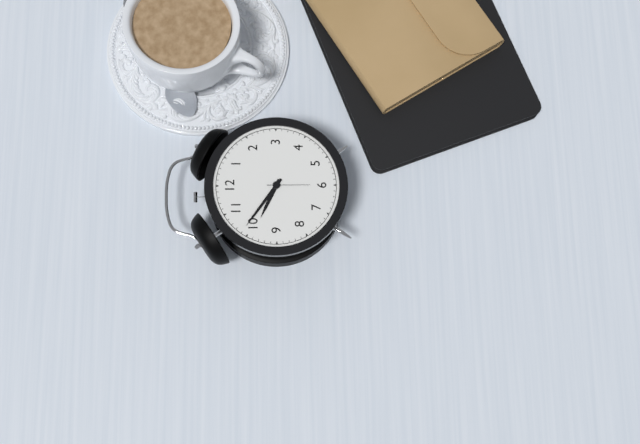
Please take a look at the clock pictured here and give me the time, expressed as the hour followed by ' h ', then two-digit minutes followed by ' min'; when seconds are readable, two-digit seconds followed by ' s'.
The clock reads 9 h 51 min
